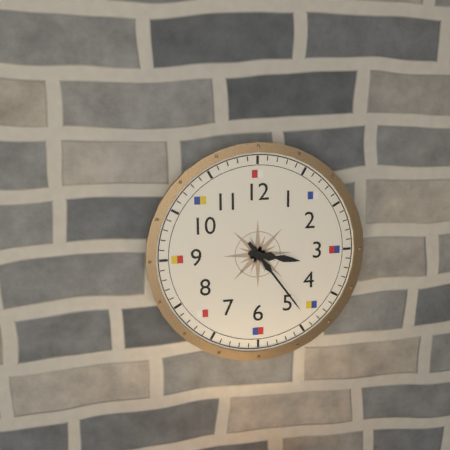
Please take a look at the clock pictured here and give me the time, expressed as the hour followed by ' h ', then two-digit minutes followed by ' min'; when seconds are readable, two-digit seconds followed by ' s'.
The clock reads 3 h 24 min
